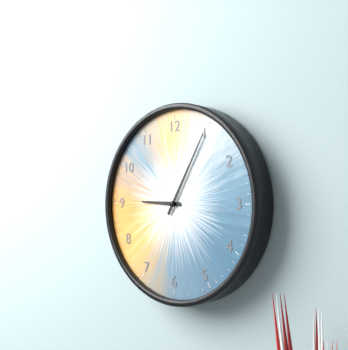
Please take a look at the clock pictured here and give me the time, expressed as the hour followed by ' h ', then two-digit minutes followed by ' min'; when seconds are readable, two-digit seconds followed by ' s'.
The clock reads 9 h 05 min
